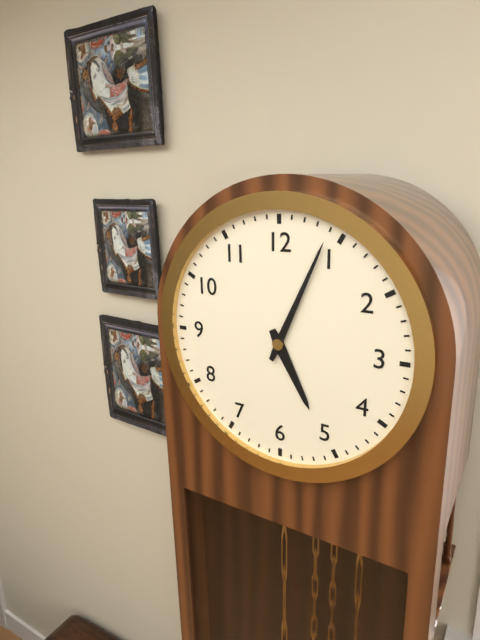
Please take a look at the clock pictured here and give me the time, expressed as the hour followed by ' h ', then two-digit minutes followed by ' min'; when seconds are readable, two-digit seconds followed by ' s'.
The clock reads 5 h 04 min
